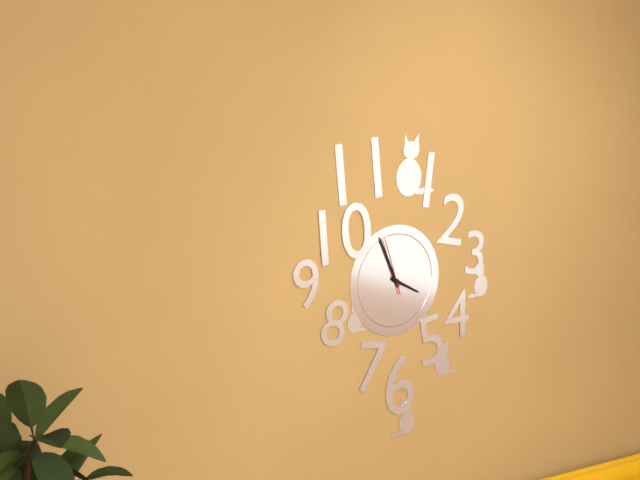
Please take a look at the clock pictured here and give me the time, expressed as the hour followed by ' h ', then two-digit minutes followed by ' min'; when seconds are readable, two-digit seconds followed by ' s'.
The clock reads 3 h 56 min 57 s
